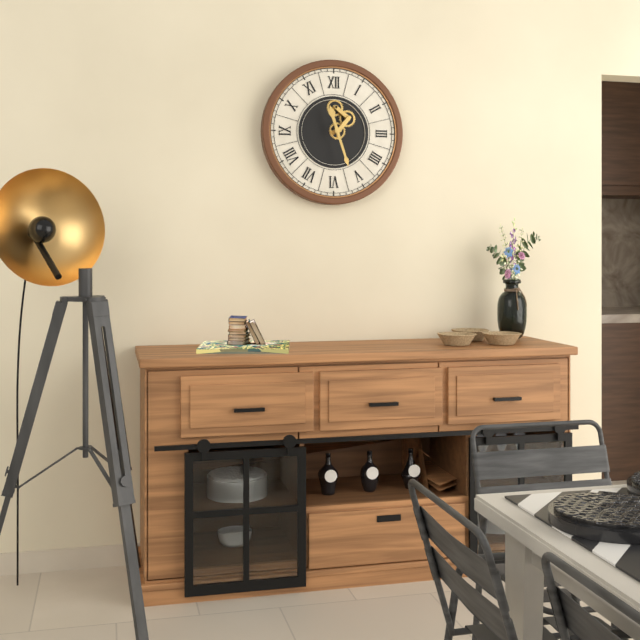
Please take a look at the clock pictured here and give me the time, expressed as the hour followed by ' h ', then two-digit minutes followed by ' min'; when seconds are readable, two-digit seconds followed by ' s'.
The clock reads 11 h 27 min
